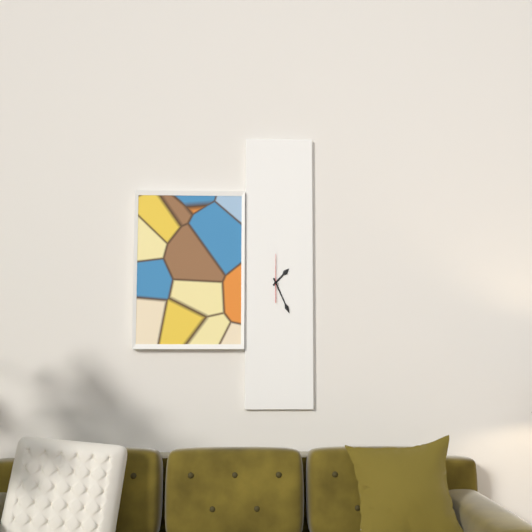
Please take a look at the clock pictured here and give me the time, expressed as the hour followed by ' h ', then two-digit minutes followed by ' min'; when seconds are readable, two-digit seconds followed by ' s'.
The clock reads 1 h 26 min
